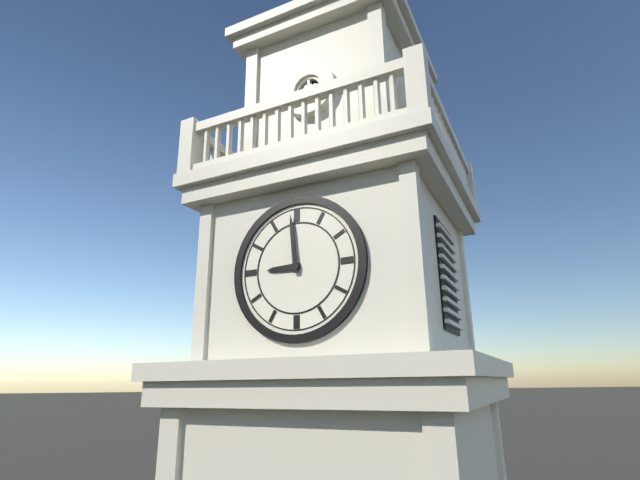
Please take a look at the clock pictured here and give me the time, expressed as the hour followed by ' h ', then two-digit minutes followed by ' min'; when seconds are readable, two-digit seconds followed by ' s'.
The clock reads 8 h 59 min
